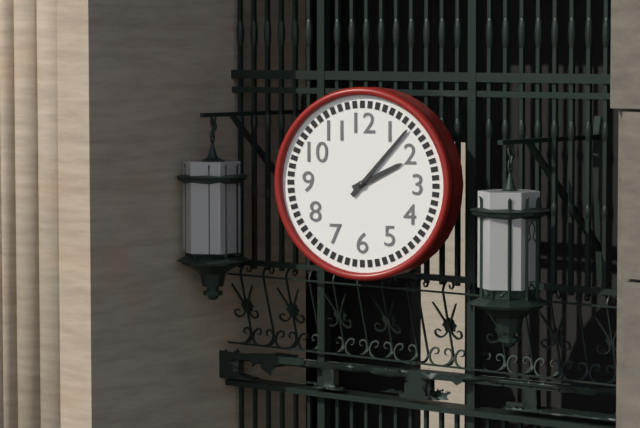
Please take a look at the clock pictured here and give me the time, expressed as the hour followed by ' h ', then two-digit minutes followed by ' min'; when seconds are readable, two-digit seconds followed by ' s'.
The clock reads 2 h 07 min
